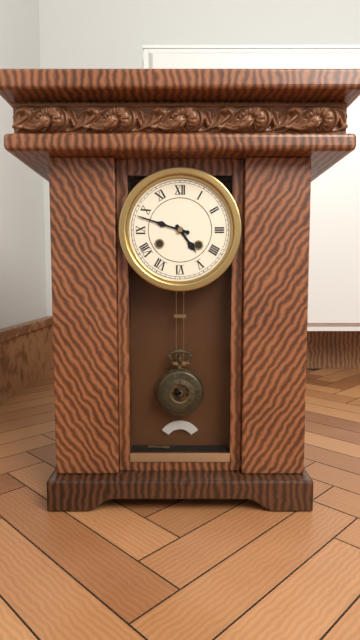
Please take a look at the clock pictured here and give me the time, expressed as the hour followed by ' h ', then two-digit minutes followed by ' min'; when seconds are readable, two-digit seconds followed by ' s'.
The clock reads 4 h 48 min
